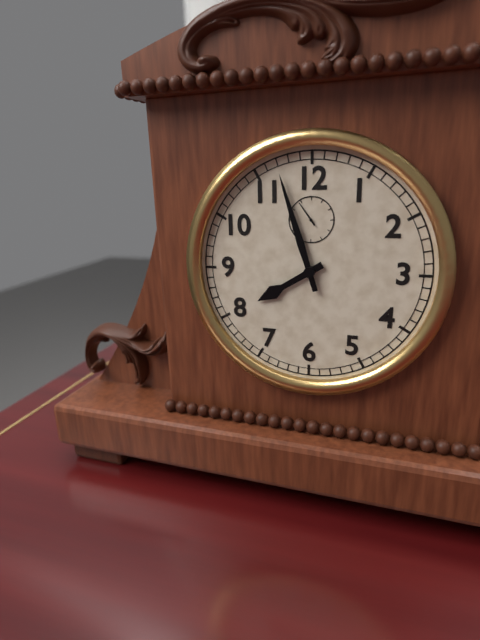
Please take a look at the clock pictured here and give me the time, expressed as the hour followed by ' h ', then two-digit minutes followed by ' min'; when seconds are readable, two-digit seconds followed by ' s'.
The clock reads 7 h 57 min
